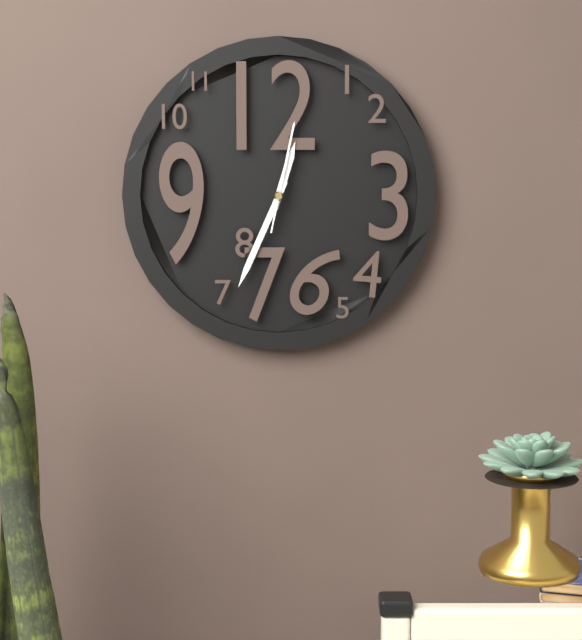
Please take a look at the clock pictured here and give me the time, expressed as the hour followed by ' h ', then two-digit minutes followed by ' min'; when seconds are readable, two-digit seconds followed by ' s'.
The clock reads 12 h 34 min 02 s
